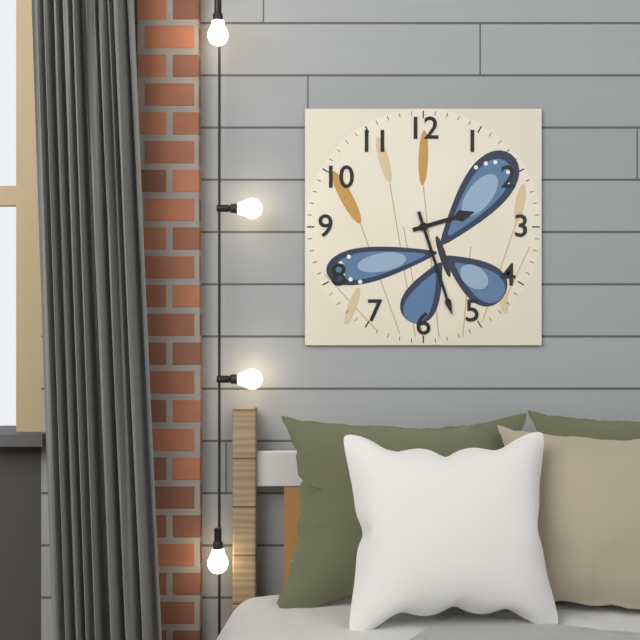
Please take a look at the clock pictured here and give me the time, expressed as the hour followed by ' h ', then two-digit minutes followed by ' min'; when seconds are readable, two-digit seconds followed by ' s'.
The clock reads 2 h 27 min
